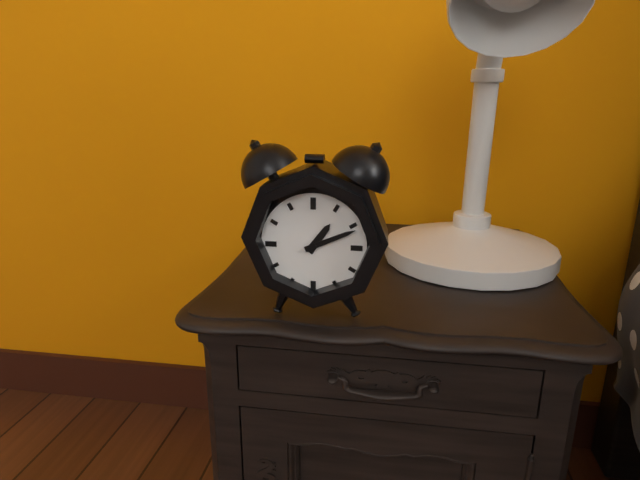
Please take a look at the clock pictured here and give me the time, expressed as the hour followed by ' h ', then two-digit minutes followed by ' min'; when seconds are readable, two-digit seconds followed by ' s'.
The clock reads 1 h 11 min
